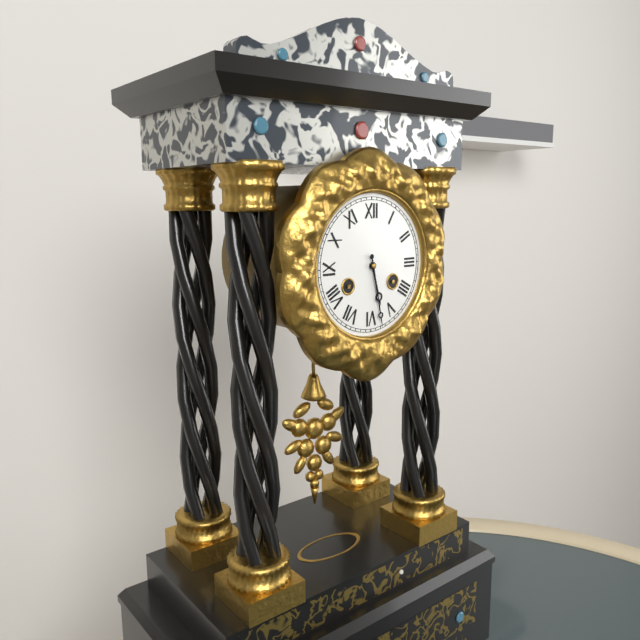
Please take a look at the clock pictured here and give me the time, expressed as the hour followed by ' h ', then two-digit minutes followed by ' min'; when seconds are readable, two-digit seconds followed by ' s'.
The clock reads 5 h 28 min
